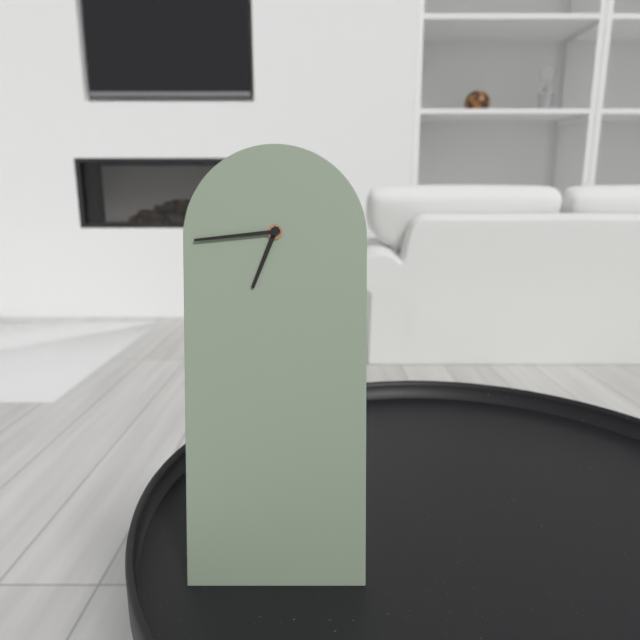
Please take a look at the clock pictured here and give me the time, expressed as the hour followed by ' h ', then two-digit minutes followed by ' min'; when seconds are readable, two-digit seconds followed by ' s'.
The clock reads 6 h 44 min
